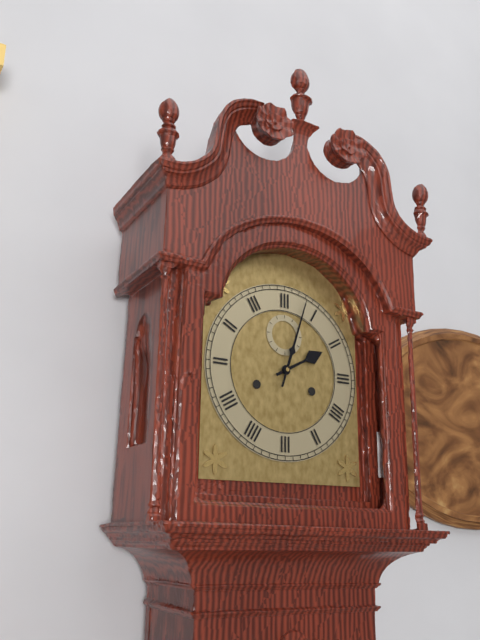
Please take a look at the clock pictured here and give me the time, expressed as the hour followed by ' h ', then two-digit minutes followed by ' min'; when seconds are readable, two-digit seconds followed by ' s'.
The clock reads 2 h 03 min
